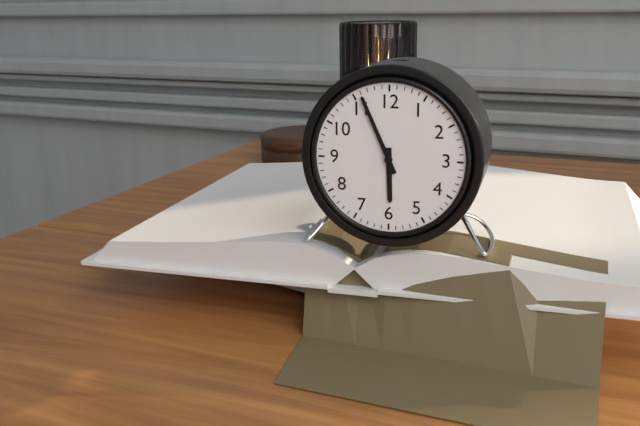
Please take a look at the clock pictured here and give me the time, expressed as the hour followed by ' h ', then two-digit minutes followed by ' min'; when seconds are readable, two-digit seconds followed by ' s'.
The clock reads 5 h 56 min
